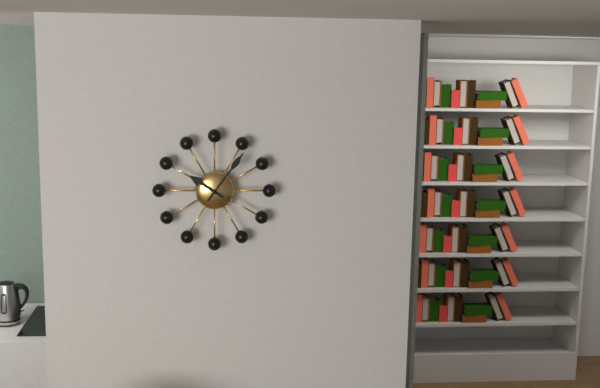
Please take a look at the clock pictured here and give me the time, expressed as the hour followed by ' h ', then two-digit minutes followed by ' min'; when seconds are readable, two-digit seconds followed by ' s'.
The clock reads 10 h 06 min
